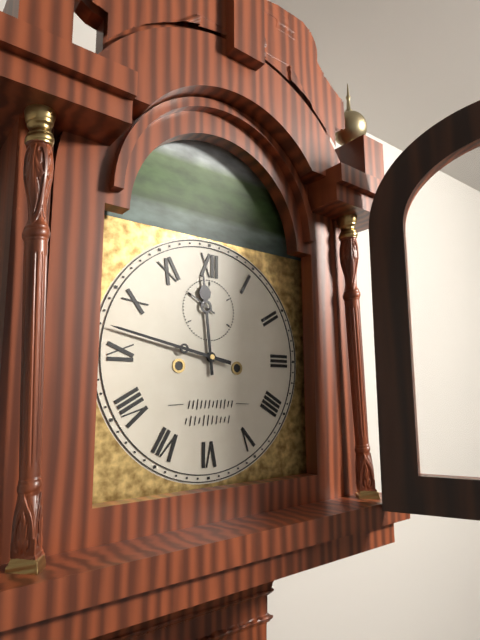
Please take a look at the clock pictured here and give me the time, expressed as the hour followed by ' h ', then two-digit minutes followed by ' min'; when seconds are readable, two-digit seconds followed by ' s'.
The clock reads 11 h 47 min
